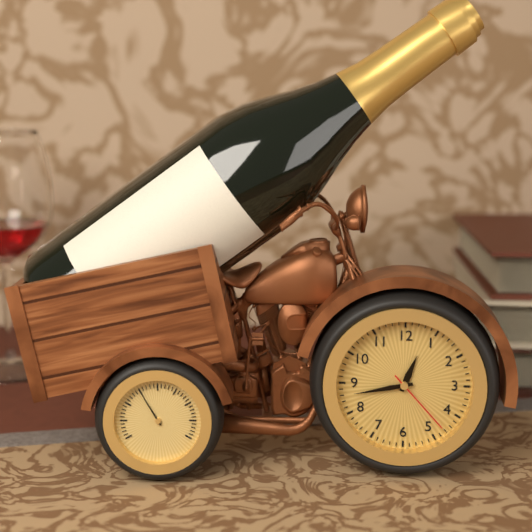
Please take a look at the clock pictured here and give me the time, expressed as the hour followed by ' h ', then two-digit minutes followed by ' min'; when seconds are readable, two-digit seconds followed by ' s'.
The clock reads 12 h 43 min 23 s
